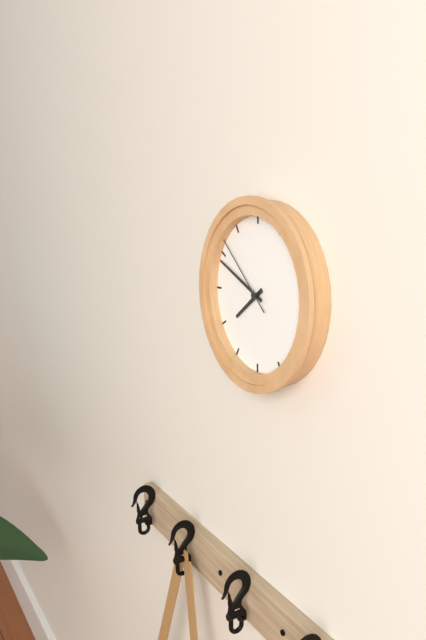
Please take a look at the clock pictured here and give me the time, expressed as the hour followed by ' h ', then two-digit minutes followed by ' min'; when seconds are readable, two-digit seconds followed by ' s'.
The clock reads 7 h 49 min 52 s
